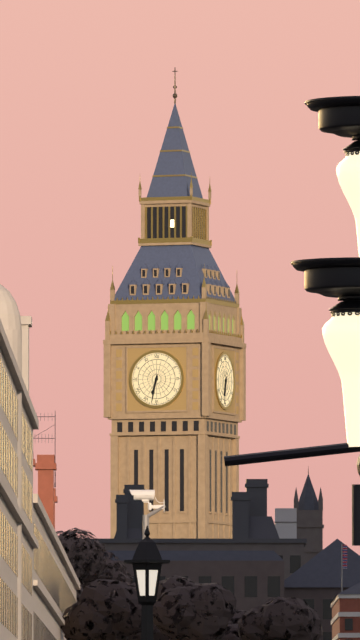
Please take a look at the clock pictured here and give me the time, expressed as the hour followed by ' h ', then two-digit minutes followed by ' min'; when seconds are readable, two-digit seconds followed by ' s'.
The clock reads 6 h 32 min
